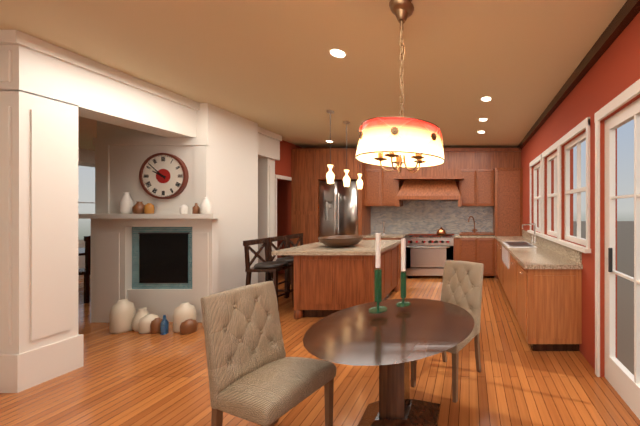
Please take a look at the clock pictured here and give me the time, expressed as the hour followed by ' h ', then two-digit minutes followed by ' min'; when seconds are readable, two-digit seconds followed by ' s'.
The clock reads 9 h 52 min
